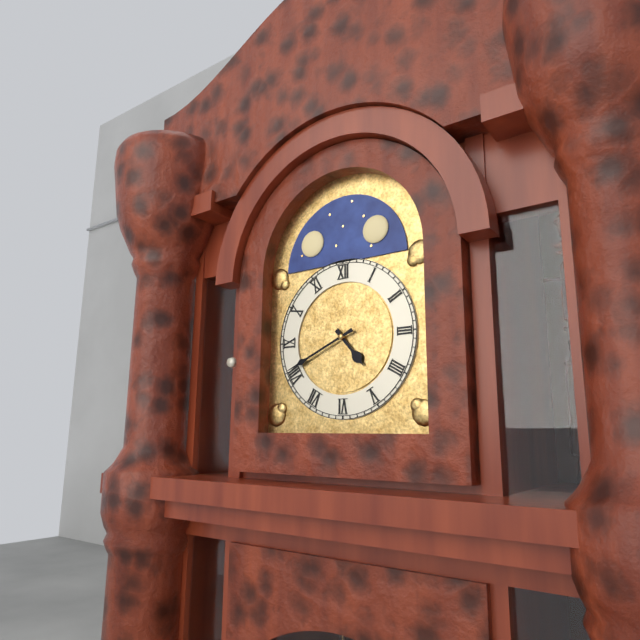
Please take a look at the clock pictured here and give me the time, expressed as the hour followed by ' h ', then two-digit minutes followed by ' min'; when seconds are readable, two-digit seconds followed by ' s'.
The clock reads 4 h 41 min
